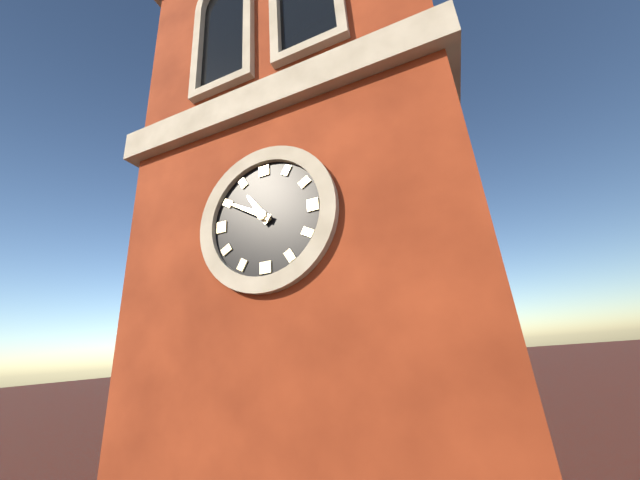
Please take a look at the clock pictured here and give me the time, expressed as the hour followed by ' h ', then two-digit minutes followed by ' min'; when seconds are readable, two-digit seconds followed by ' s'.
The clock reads 10 h 50 min
